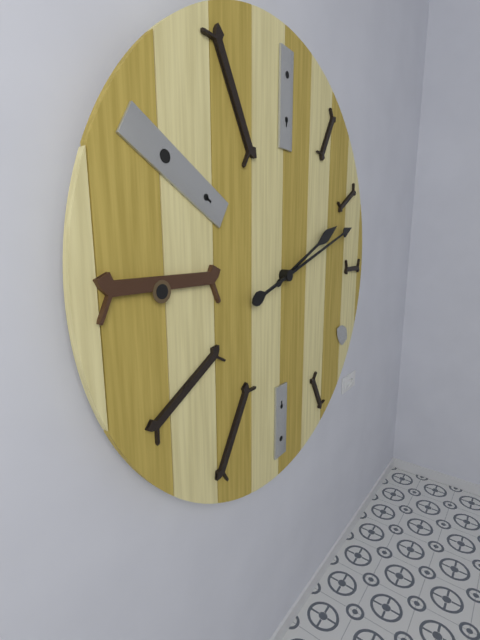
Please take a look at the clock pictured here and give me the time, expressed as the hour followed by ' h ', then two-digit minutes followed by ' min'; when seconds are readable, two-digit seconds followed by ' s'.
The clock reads 2 h 12 min
